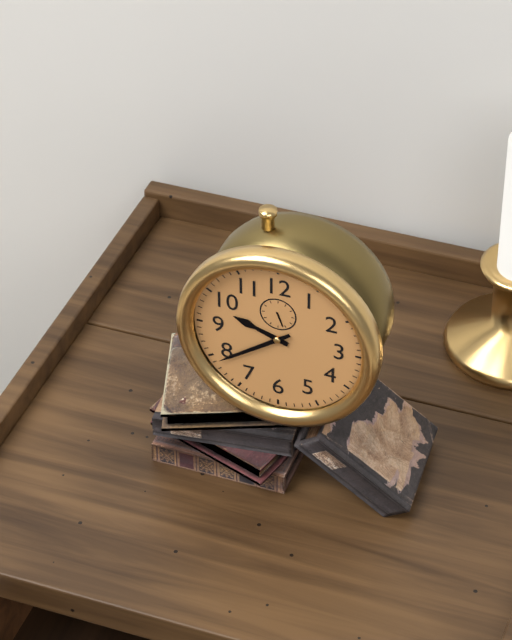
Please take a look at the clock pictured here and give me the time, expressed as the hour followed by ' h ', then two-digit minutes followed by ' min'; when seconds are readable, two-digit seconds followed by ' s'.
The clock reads 9 h 39 min
